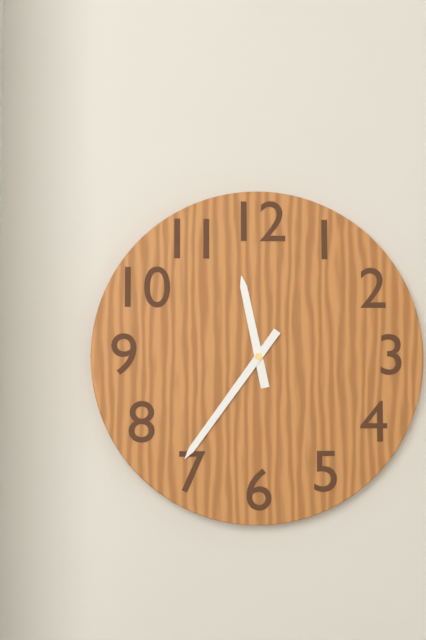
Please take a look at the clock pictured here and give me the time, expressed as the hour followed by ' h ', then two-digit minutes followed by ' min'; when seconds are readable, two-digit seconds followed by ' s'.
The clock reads 11 h 36 min
